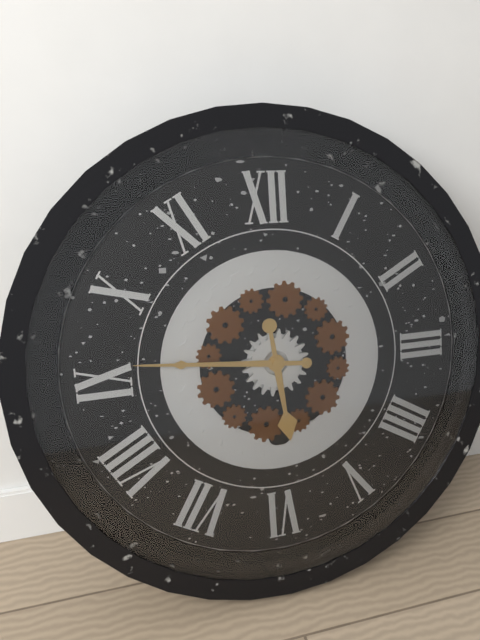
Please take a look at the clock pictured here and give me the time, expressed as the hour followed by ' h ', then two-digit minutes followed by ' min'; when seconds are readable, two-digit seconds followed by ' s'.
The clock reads 5 h 46 min
